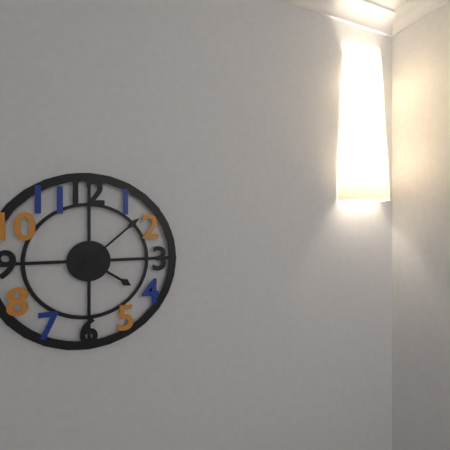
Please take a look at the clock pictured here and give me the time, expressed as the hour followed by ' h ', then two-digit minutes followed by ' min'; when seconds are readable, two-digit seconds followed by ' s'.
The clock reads 4 h 08 min
